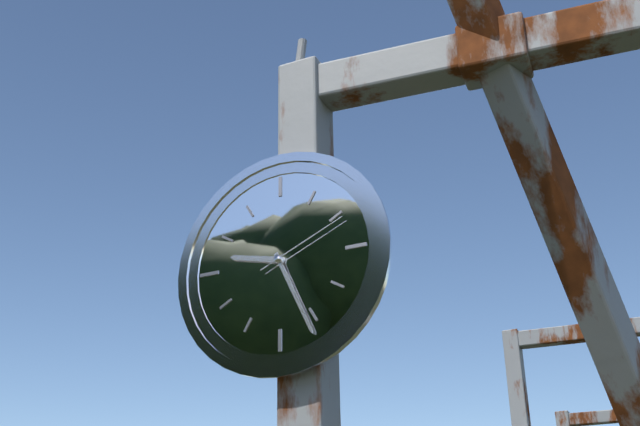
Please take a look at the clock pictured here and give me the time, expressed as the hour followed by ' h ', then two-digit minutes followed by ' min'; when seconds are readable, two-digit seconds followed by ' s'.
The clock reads 9 h 26 min 11 s
